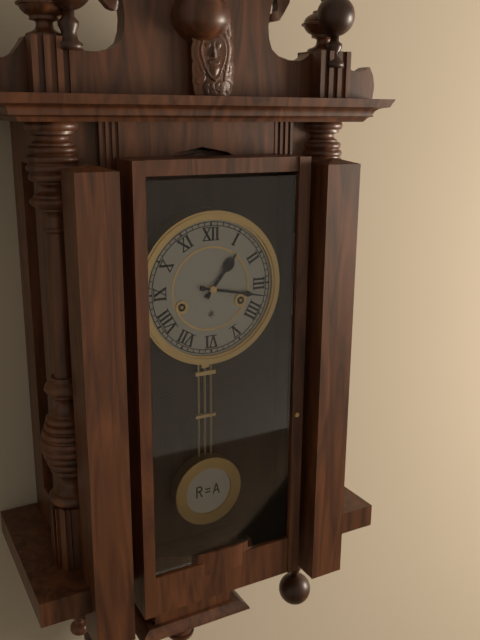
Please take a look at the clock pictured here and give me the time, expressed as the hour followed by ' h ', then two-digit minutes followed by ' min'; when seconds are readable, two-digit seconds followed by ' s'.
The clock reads 1 h 17 min
